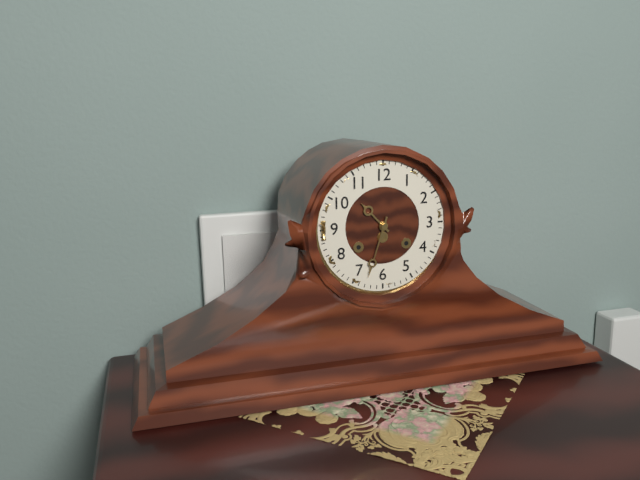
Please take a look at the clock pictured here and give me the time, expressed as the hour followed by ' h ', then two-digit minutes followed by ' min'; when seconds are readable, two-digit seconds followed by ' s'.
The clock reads 10 h 33 min
